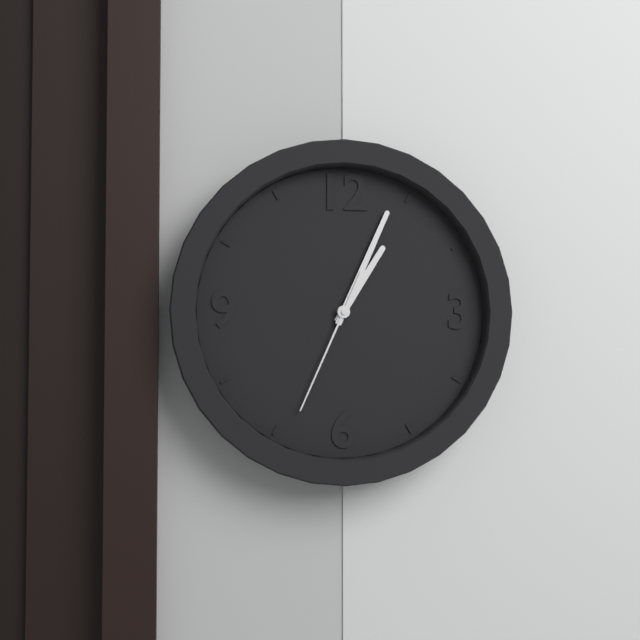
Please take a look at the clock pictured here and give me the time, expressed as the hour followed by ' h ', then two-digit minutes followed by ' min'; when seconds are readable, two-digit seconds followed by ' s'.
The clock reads 1 h 04 min 34 s
